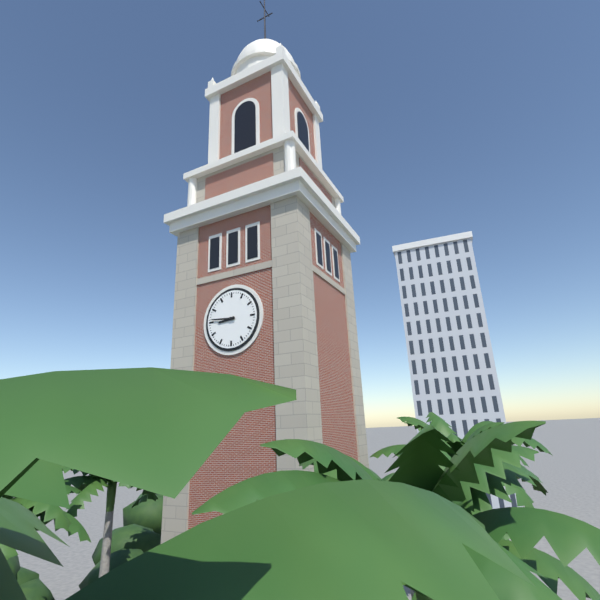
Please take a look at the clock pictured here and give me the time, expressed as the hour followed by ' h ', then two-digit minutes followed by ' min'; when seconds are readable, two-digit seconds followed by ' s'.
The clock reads 8 h 46 min
